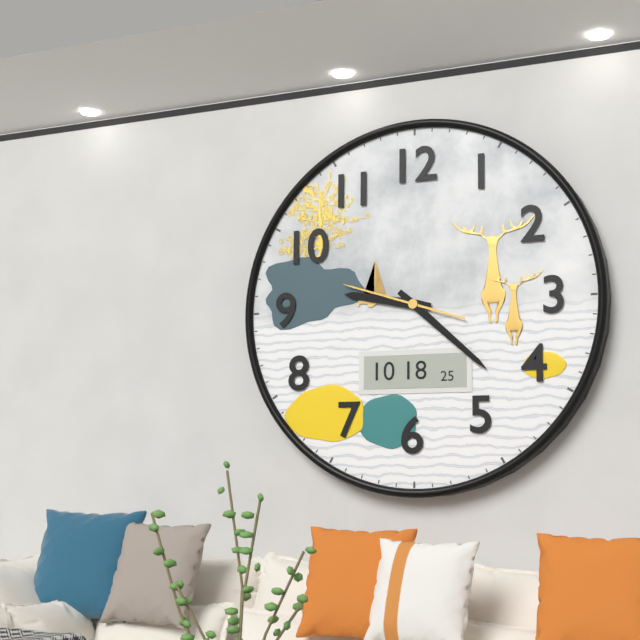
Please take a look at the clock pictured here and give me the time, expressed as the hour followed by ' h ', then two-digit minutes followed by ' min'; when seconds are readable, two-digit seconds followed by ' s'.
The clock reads 9 h 22 min 48 s
